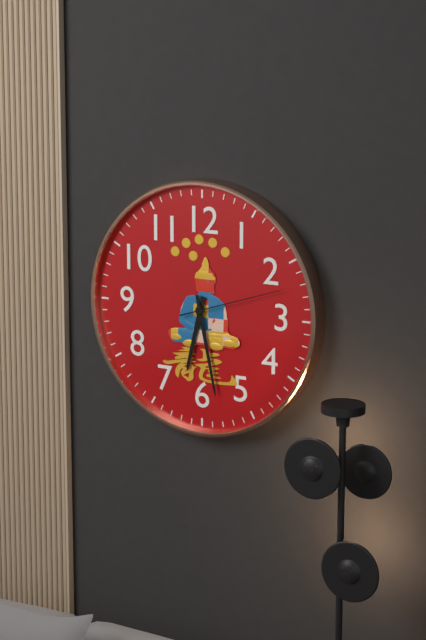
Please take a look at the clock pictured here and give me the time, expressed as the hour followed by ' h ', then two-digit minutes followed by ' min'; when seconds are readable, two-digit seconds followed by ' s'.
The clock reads 6 h 28 min 12 s
